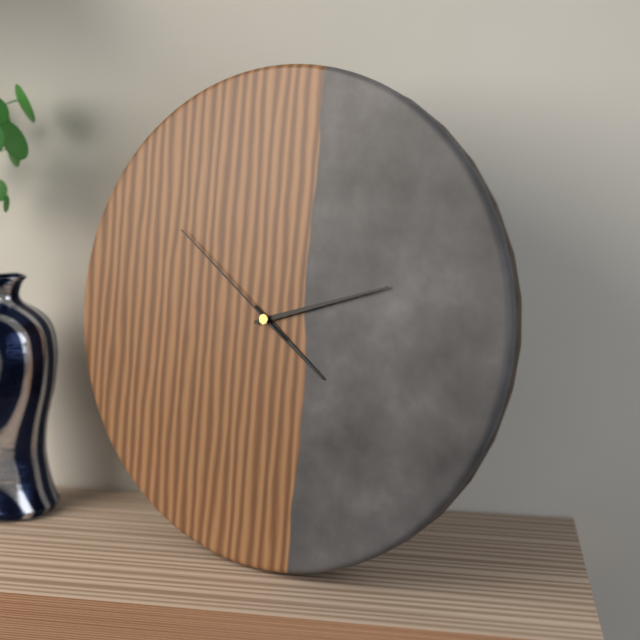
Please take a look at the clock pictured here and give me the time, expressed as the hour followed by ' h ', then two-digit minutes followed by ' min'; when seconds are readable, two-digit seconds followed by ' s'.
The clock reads 4 h 12 min 51 s
